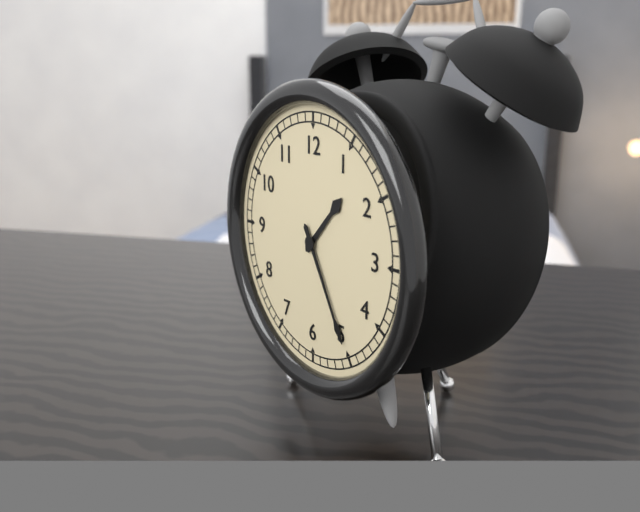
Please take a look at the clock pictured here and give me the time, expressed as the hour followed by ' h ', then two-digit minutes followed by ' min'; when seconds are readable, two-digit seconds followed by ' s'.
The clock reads 1 h 25 min
